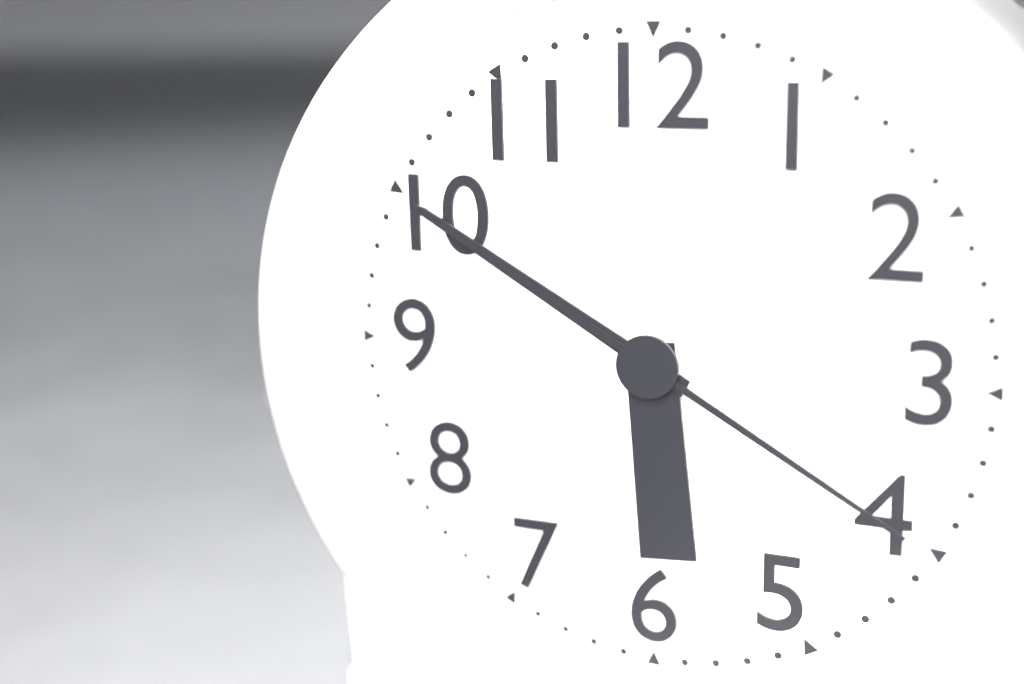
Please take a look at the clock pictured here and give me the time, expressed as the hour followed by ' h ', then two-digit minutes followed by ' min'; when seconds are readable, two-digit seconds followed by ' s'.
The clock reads 5 h 50 min 20 s
